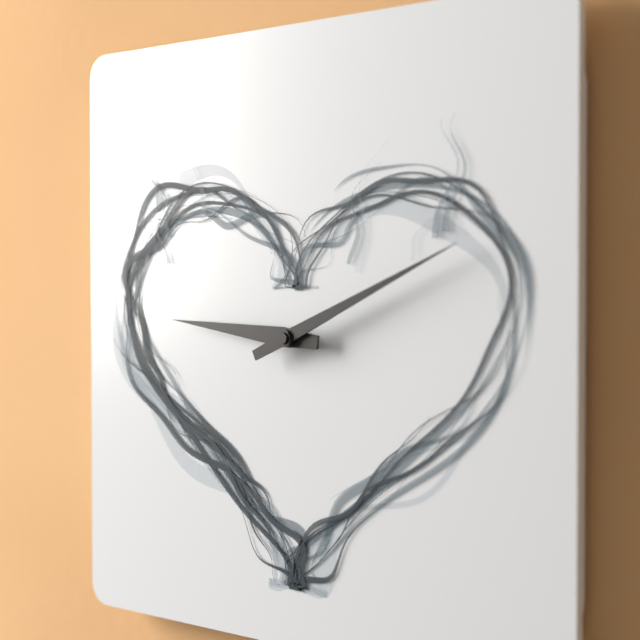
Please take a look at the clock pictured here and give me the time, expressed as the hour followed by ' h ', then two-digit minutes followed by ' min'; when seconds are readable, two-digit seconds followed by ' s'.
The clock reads 9 h 11 min
